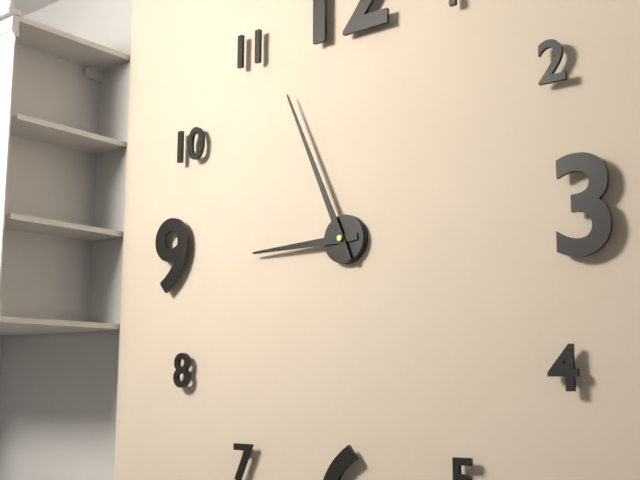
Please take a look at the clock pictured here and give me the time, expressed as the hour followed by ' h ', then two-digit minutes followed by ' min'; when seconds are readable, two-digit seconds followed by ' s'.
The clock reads 8 h 56 min
